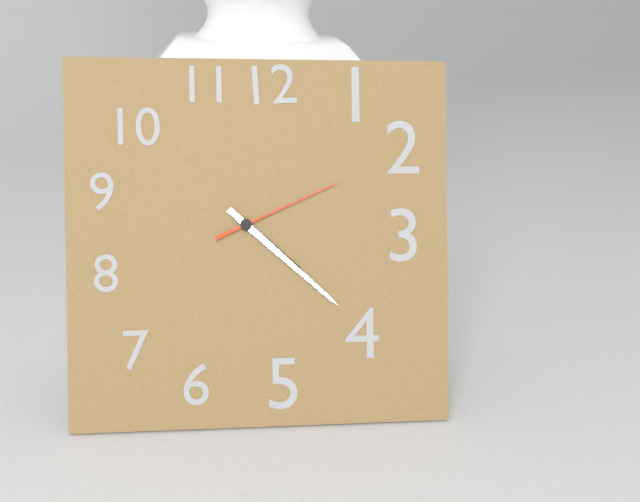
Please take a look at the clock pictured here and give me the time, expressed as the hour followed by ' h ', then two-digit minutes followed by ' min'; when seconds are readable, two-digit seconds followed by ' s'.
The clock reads 4 h 22 min 11 s
